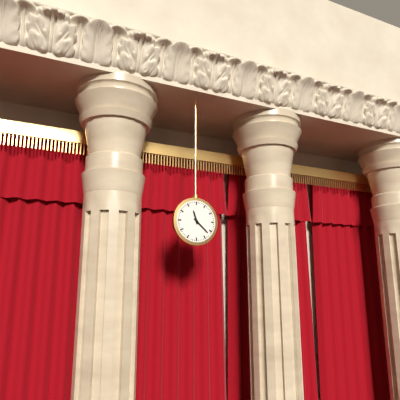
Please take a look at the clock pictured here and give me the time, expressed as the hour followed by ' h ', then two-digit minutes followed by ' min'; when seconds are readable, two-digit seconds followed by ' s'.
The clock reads 11 h 22 min
